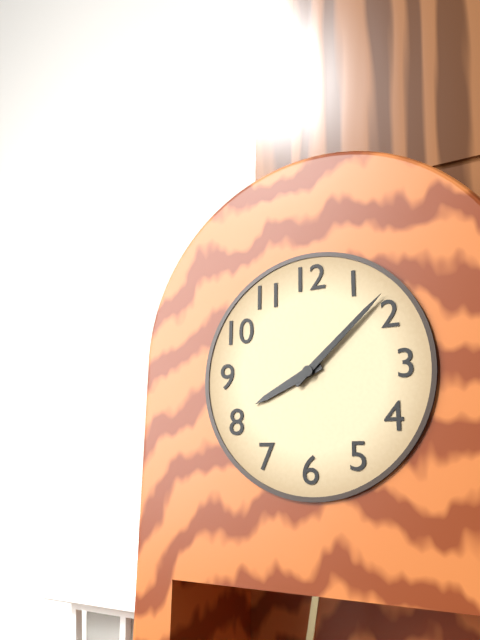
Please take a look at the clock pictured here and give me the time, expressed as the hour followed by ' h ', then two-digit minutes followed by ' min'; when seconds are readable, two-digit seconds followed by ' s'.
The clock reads 8 h 08 min
